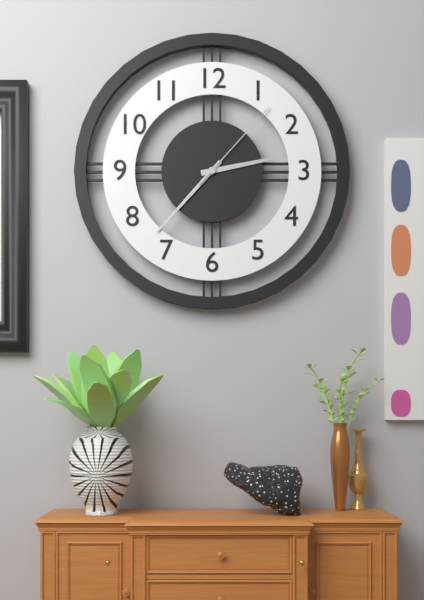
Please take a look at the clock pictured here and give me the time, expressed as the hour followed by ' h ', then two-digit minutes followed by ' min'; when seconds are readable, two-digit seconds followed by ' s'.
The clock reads 2 h 37 min 07 s
